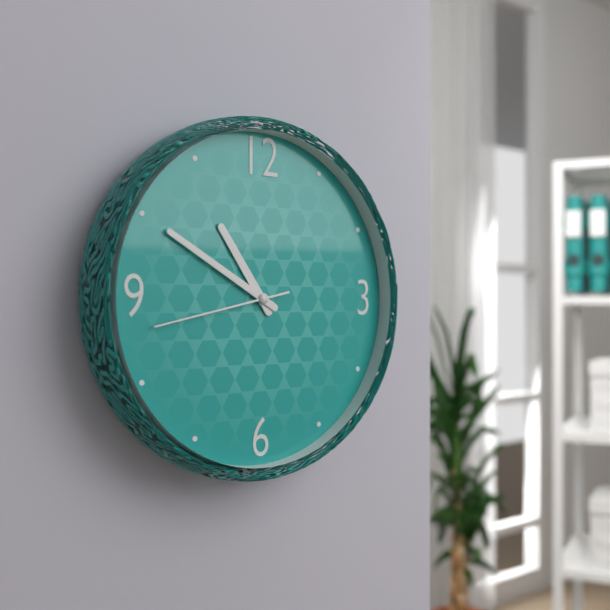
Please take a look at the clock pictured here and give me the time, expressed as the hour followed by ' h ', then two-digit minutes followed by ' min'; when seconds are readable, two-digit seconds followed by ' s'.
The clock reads 10 h 50 min 43 s
